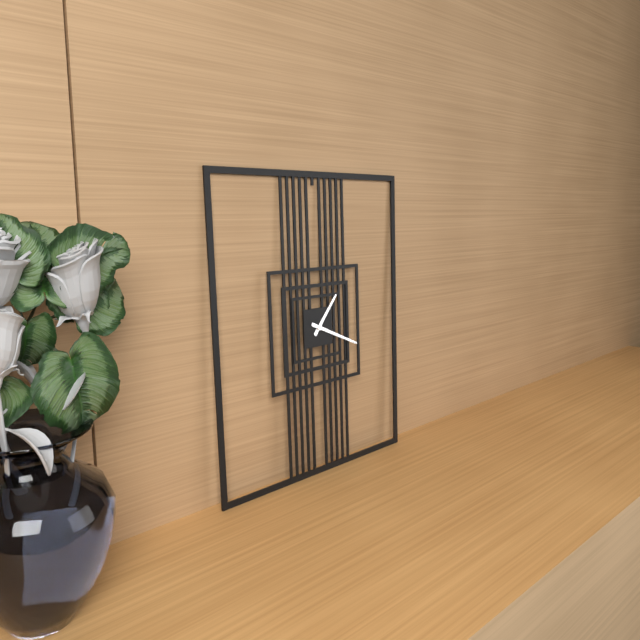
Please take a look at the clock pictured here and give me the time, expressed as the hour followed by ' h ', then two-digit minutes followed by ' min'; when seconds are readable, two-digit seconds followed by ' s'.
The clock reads 1 h 19 min
